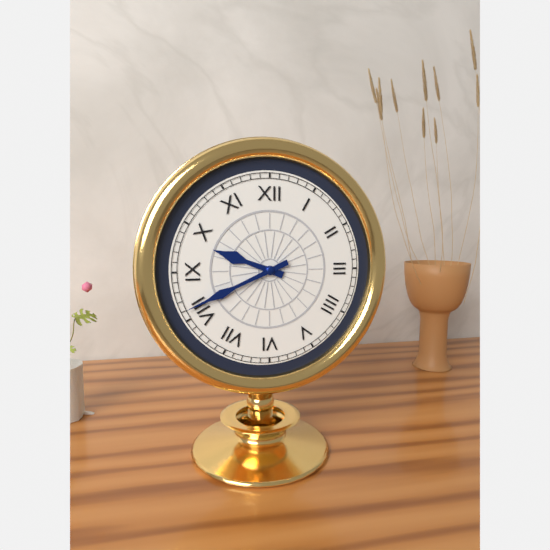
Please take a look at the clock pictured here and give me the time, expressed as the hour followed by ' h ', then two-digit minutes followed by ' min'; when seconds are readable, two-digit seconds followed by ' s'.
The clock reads 9 h 41 min
